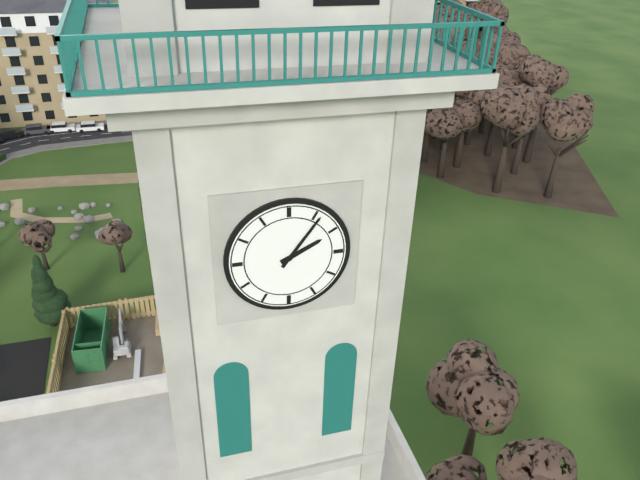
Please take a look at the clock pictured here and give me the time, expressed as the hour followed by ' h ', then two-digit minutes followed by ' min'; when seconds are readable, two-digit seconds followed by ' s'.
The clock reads 2 h 06 min
